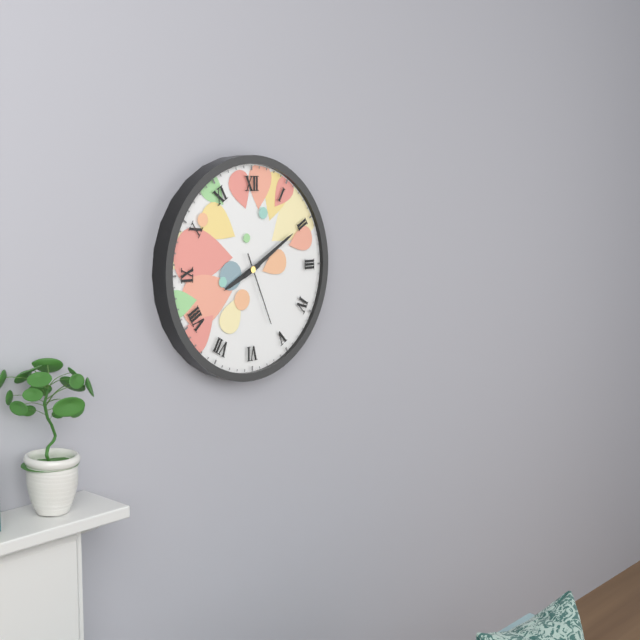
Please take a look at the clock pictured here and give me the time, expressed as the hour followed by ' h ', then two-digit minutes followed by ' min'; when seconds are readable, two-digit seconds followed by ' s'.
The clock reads 8 h 10 min 26 s
